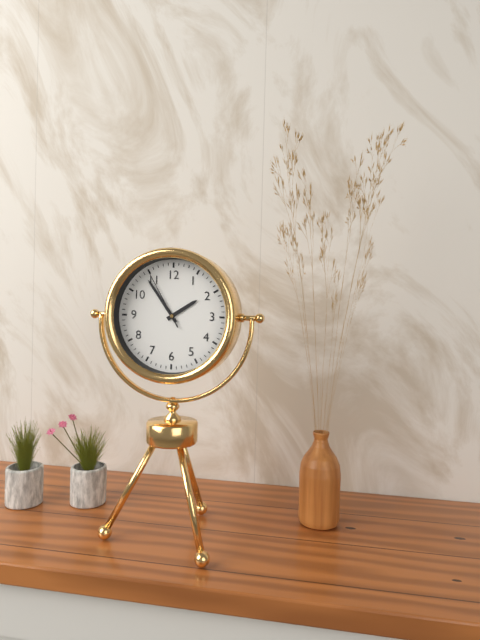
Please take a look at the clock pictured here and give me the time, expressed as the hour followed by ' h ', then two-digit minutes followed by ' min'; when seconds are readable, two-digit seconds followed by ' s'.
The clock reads 1 h 54 min 55 s
